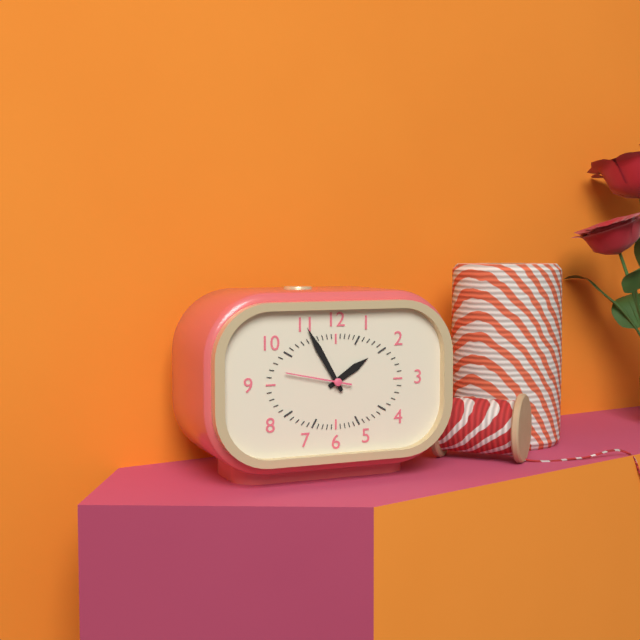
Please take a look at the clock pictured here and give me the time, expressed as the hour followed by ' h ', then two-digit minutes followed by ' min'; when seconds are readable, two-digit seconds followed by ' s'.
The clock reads 1 h 55 min 47 s
